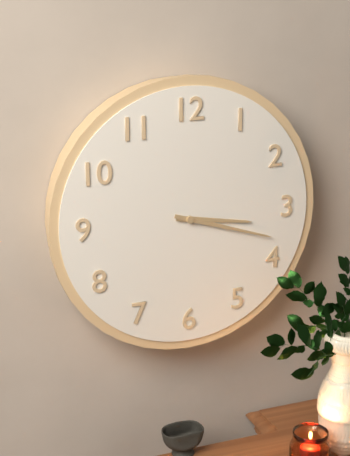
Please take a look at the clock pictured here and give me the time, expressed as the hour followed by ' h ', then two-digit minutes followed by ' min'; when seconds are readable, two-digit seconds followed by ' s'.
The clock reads 3 h 18 min
